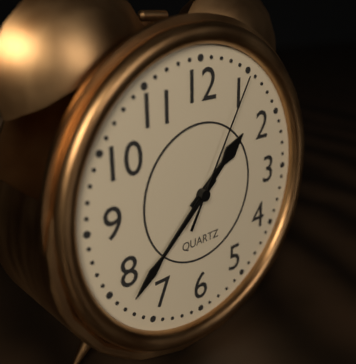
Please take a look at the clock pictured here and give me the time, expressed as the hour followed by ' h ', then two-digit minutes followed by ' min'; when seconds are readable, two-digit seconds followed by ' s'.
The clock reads 1 h 38 min 05 s
